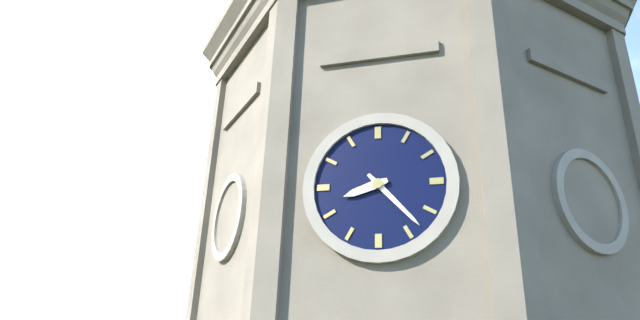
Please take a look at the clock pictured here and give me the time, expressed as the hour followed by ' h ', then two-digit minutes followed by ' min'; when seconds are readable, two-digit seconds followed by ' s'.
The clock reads 8 h 23 min
